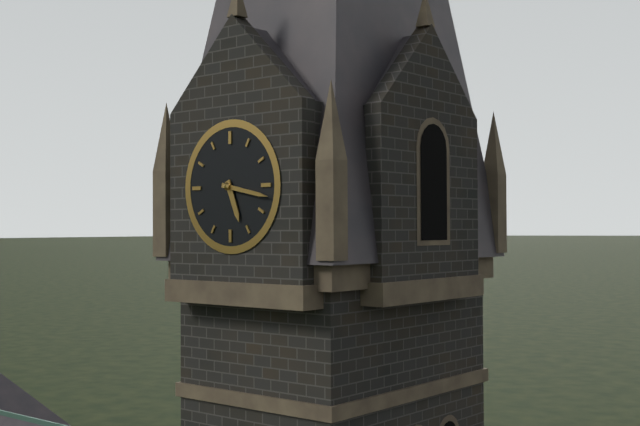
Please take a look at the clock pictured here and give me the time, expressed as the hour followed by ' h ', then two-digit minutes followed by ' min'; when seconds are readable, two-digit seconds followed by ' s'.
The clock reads 5 h 17 min
